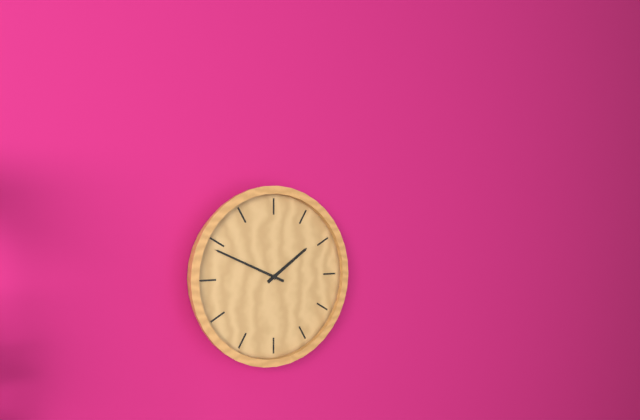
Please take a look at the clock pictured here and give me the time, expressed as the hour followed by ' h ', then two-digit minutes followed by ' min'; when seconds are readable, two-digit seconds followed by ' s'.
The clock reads 1 h 49 min
